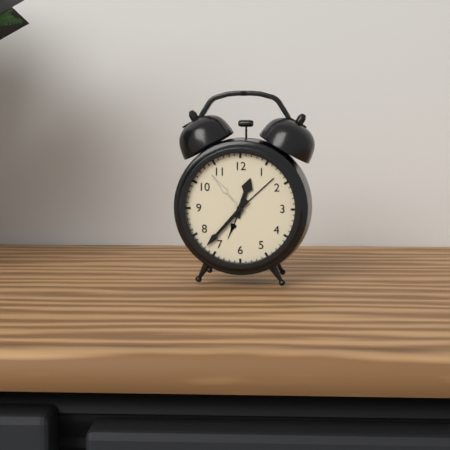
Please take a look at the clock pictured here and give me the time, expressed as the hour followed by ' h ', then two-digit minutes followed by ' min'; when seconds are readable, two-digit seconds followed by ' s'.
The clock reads 12 h 37 min
